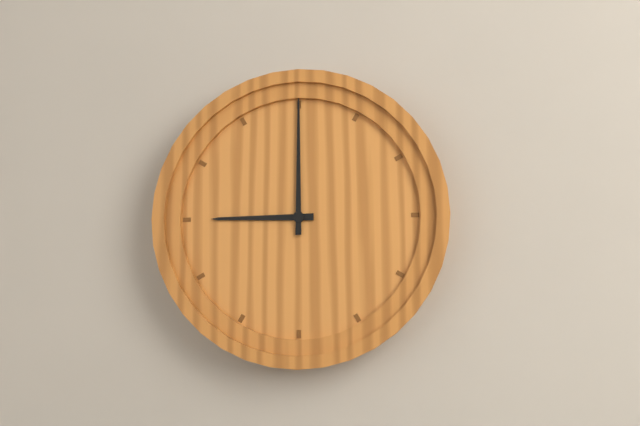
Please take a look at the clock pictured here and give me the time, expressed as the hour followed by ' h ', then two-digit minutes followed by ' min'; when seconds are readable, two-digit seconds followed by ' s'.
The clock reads 9 h 00 min
